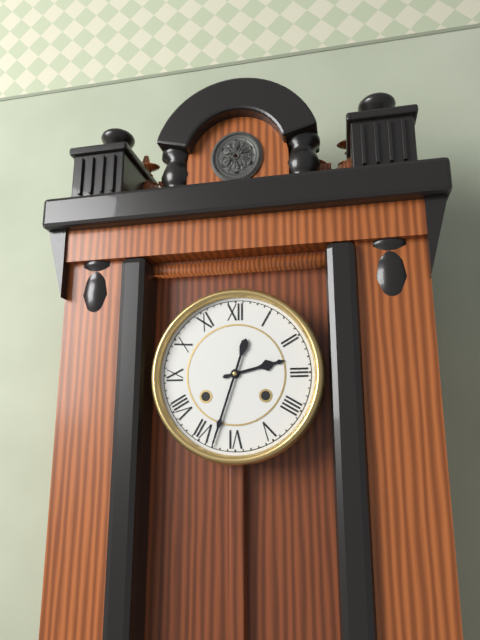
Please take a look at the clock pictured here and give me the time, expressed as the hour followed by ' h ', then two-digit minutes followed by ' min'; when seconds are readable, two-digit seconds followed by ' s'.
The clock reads 2 h 33 min
